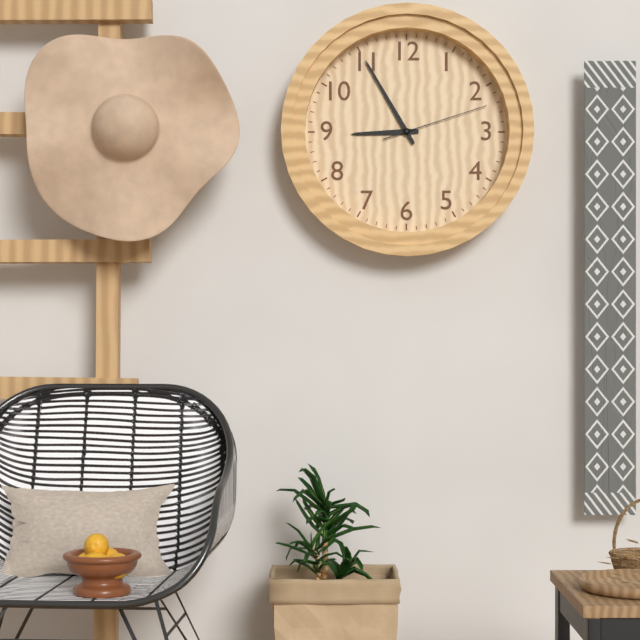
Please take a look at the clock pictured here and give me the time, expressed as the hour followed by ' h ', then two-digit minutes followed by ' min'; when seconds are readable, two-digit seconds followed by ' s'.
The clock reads 8 h 55 min 12 s
